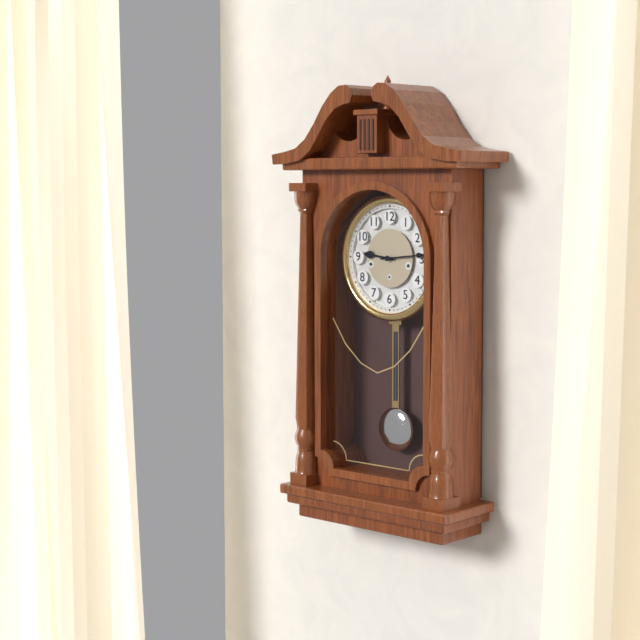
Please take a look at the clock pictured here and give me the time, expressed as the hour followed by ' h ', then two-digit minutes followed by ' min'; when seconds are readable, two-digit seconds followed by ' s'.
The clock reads 9 h 14 min
